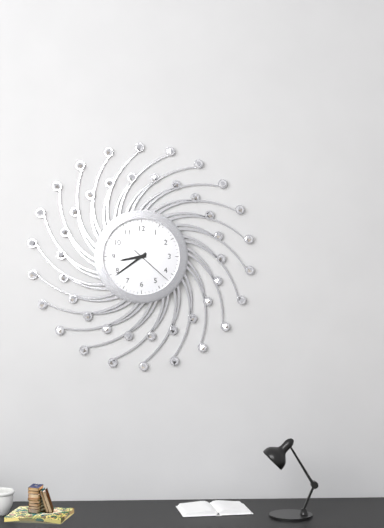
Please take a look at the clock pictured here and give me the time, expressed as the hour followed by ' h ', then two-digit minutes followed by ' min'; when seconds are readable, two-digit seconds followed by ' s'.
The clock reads 8 h 39 min
